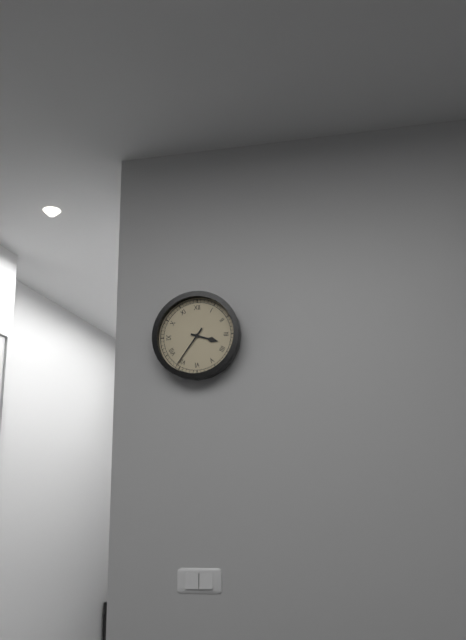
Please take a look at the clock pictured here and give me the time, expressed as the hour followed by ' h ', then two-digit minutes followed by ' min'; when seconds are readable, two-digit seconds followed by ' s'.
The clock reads 3 h 36 min
